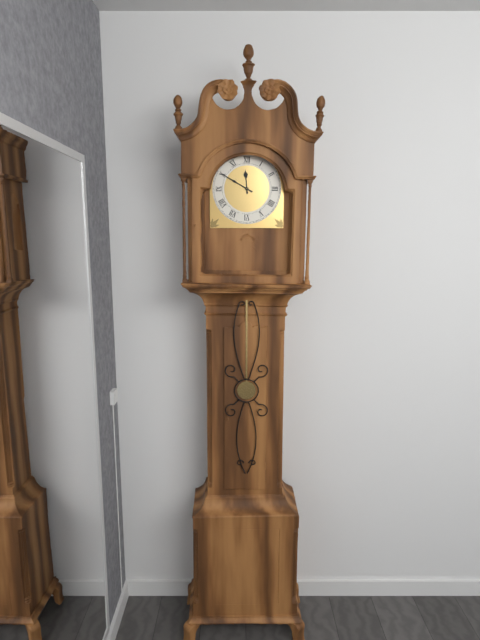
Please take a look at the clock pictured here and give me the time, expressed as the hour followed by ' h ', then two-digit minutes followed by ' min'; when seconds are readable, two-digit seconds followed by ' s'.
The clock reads 11 h 50 min
